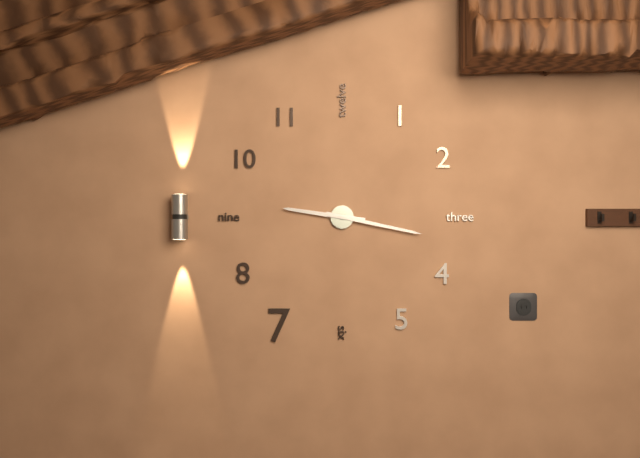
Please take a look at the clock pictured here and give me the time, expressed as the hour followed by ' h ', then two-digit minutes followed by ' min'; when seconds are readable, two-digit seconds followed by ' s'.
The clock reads 9 h 17 min
